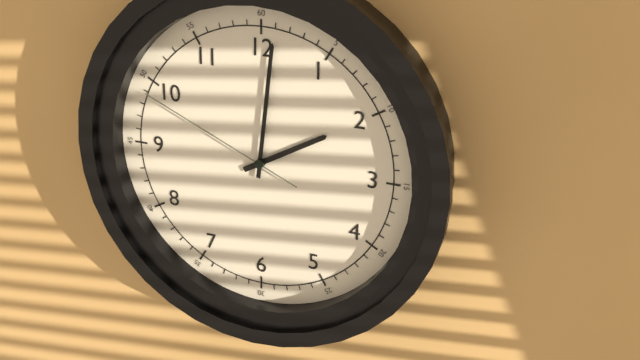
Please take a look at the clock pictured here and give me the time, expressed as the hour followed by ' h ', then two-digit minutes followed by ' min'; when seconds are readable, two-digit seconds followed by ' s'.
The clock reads 2 h 01 min 49 s
